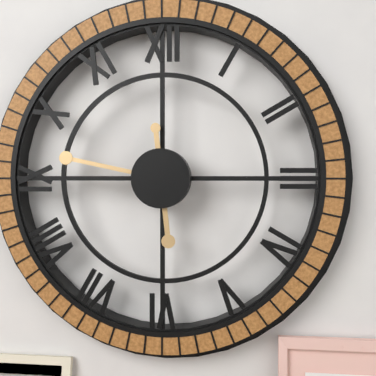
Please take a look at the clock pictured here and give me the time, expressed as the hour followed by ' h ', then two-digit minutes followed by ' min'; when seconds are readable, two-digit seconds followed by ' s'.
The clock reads 5 h 47 min
